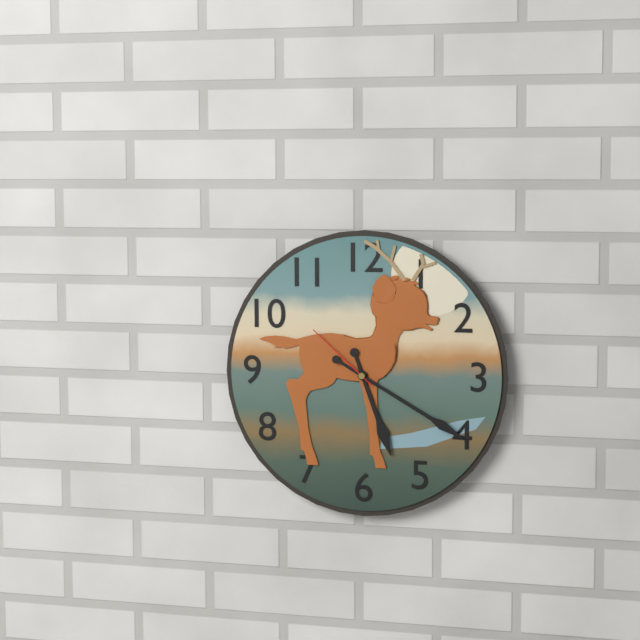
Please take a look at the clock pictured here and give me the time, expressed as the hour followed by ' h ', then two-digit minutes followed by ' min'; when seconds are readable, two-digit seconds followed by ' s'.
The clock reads 5 h 20 min 52 s
